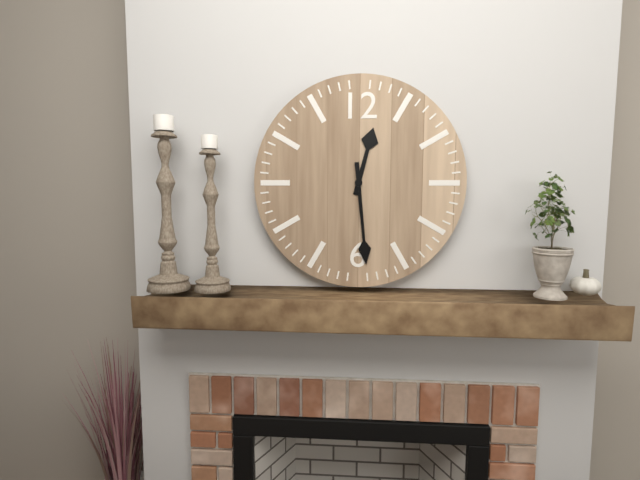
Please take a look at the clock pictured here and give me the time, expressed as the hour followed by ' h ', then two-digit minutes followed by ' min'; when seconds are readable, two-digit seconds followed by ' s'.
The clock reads 12 h 29 min
